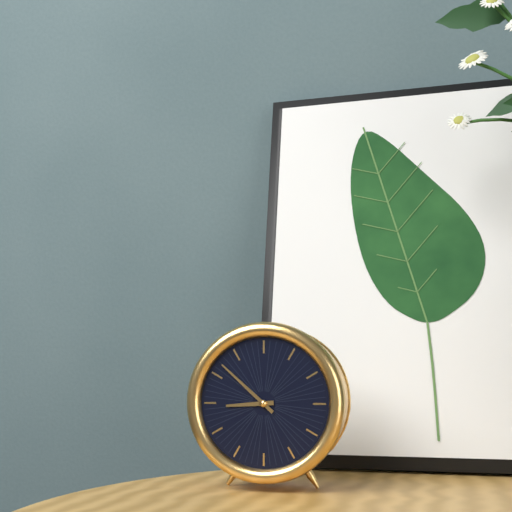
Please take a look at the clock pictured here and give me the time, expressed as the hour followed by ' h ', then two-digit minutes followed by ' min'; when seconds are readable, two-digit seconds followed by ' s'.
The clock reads 8 h 52 min
